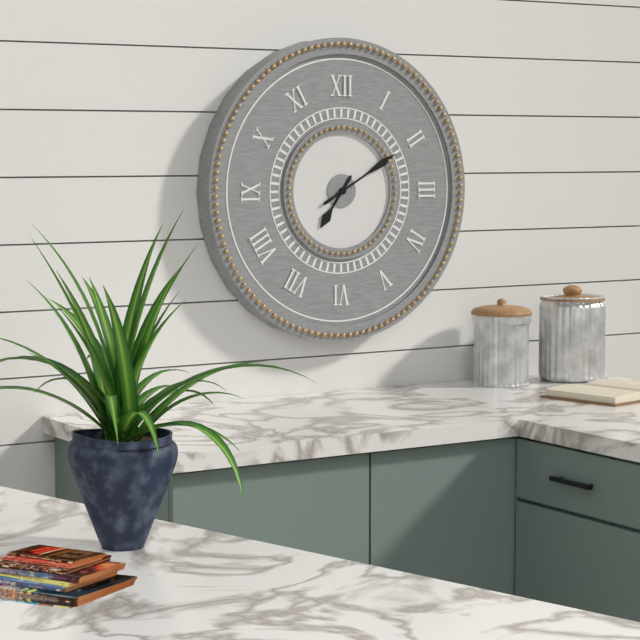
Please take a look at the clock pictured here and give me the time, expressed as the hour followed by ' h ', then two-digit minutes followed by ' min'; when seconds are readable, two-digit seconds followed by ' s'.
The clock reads 7 h 10 min
